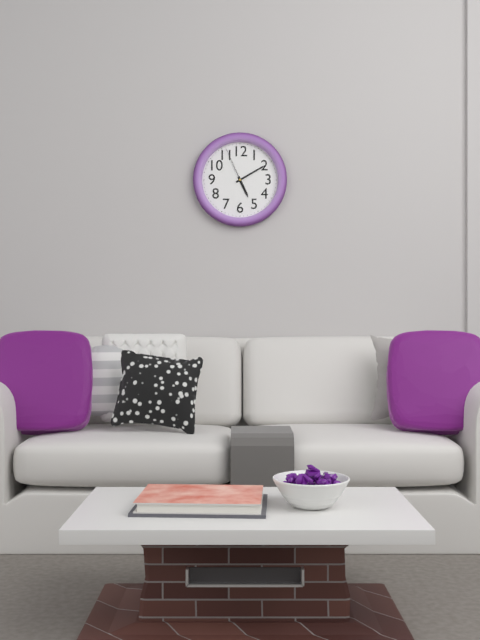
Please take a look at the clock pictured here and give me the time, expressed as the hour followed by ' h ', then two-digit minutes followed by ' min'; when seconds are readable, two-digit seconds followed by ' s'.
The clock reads 5 h 10 min
